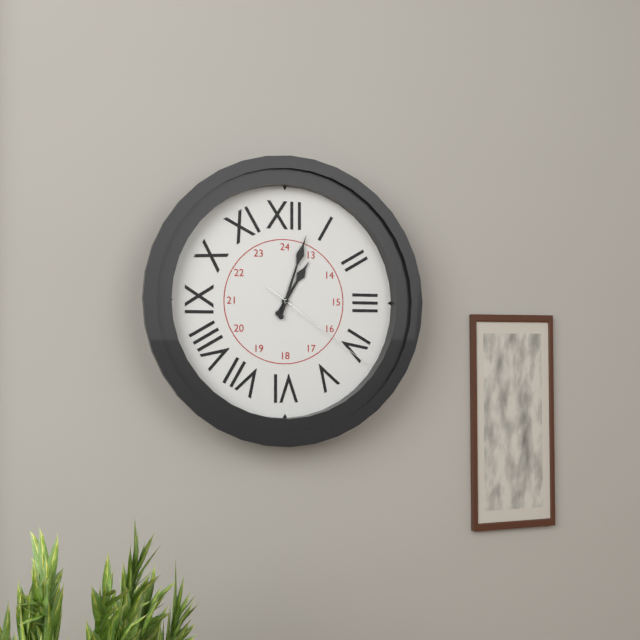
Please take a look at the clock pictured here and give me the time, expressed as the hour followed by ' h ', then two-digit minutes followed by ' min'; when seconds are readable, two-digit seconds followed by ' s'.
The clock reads 1 h 03 min 21 s
